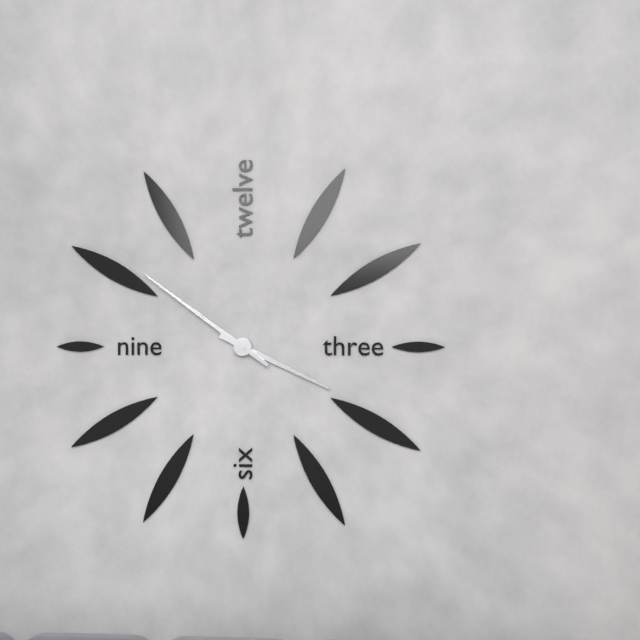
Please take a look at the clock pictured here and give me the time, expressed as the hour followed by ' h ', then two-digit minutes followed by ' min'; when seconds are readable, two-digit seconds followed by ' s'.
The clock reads 3 h 51 min
